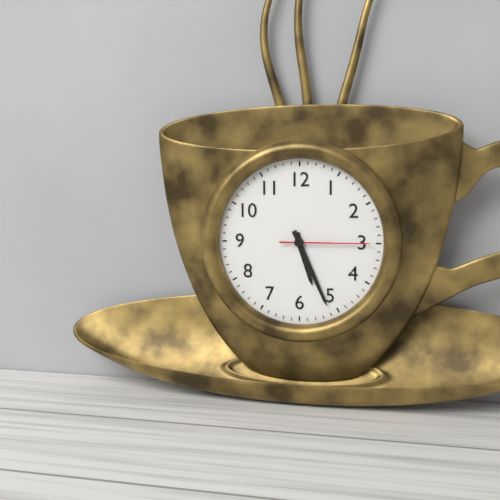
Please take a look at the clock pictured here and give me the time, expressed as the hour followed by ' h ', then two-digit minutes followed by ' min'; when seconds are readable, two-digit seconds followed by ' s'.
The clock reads 5 h 26 min 15 s
